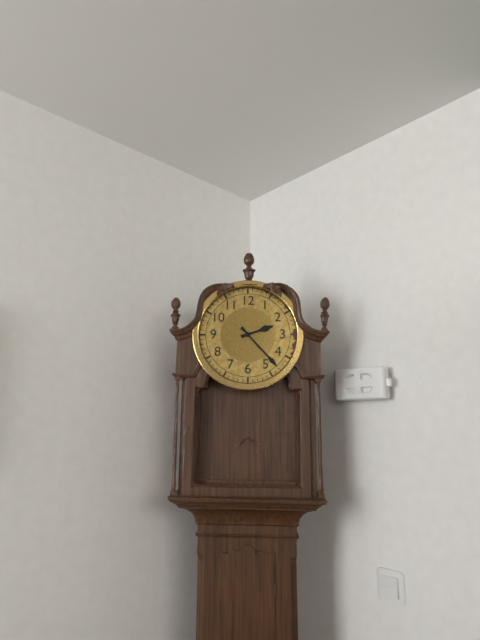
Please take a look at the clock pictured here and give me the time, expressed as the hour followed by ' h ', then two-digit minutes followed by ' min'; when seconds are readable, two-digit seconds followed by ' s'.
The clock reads 2 h 23 min
